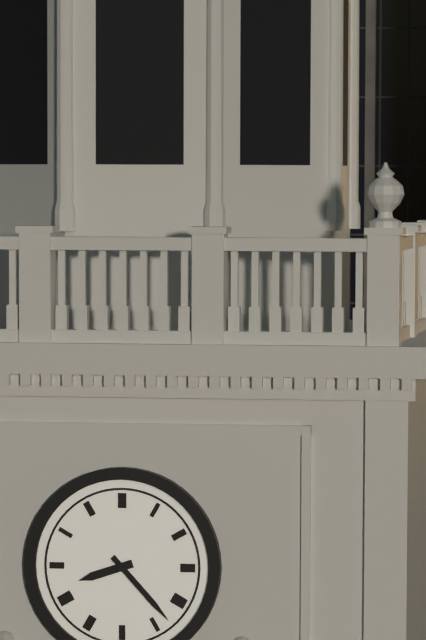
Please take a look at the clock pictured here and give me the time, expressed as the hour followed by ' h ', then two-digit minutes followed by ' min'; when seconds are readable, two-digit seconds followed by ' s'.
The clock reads 8 h 23 min
